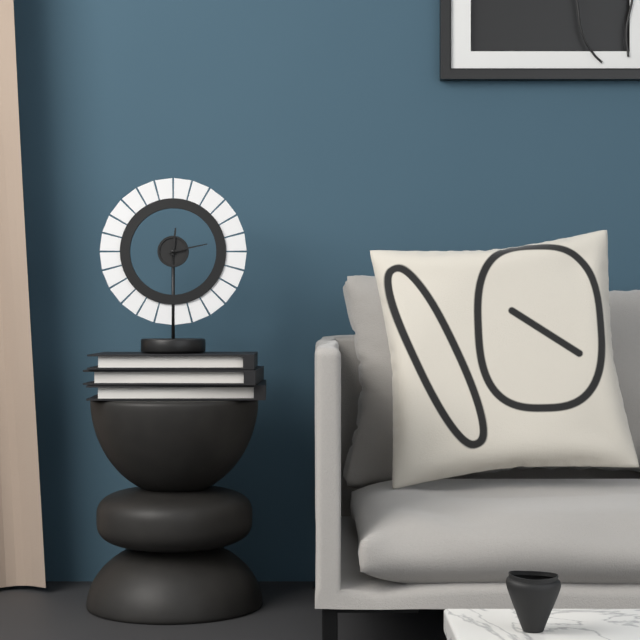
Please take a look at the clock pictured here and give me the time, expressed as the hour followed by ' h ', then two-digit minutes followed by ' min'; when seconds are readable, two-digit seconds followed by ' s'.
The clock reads 12 h 13 min
